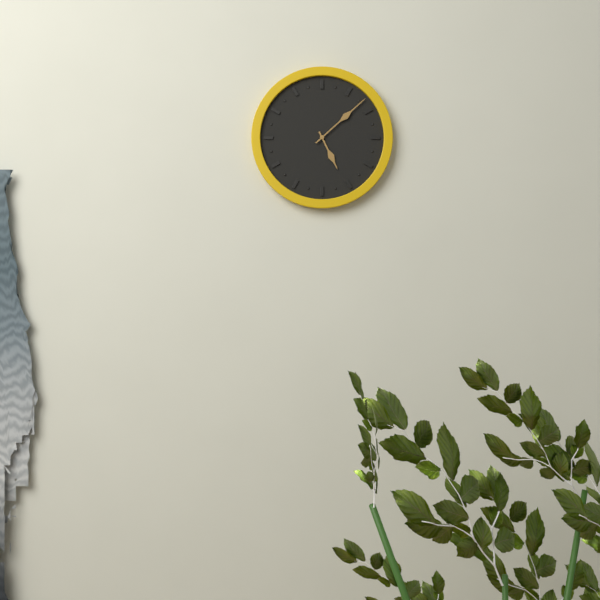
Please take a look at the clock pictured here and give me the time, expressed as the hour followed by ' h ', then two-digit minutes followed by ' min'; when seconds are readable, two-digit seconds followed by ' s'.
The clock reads 5 h 08 min
